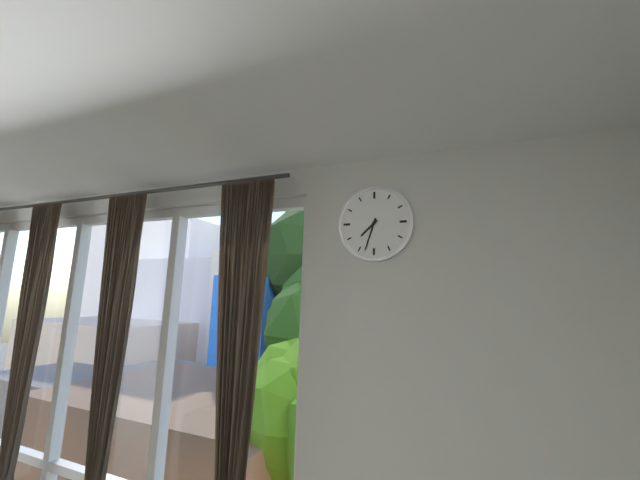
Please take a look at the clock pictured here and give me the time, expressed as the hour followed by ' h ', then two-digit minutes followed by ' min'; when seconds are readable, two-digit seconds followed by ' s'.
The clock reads 7 h 33 min
